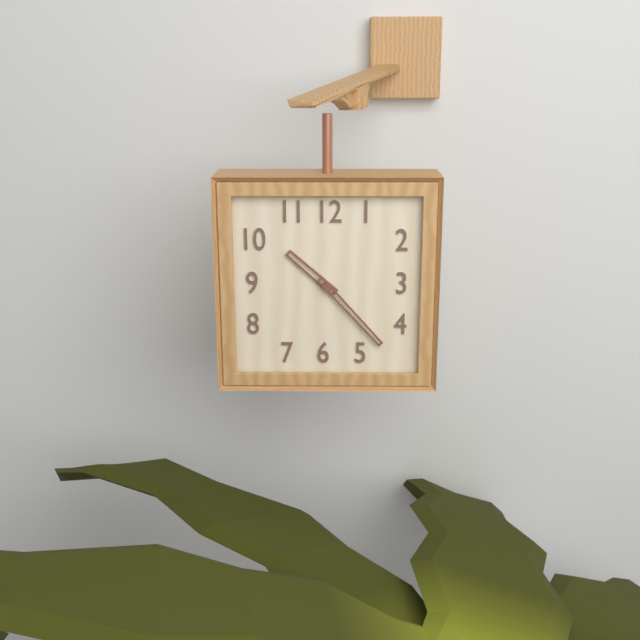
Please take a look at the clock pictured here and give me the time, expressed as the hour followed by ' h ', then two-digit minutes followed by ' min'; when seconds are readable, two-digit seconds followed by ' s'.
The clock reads 10 h 23 min
